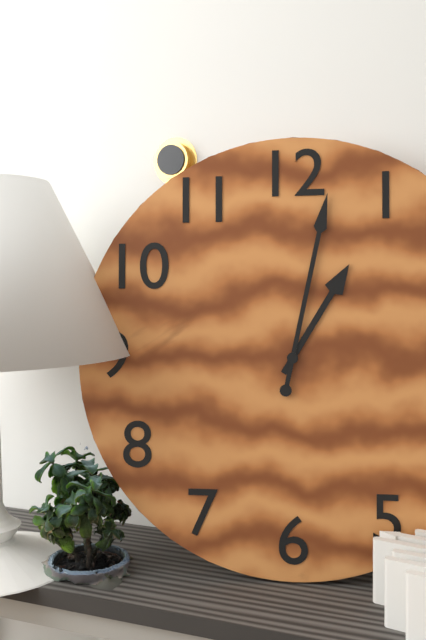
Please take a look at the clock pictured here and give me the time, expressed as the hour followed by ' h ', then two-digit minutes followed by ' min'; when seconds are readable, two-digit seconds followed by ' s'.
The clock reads 1 h 02 min
